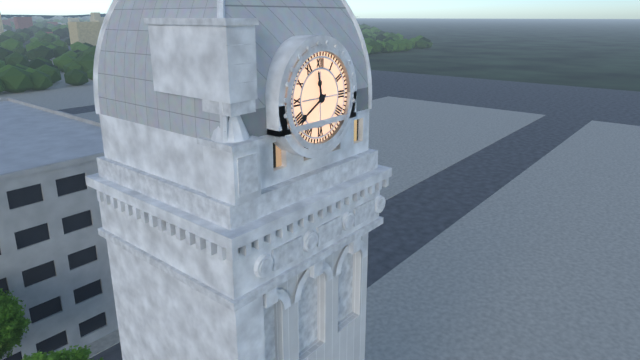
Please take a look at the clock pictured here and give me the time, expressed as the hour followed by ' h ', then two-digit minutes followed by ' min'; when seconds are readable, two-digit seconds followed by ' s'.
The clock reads 11 h 40 min
